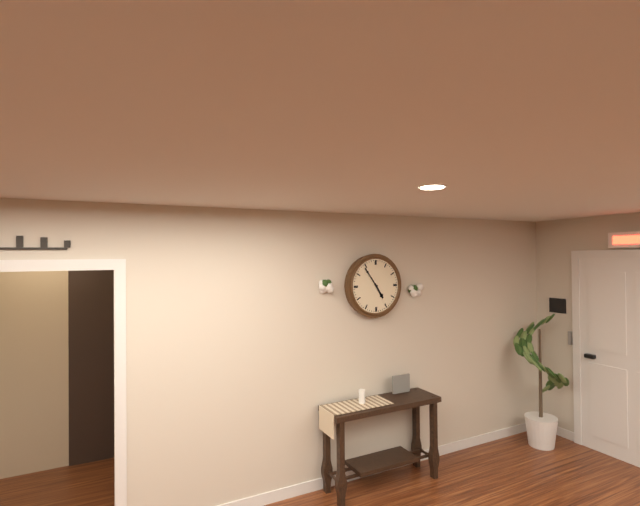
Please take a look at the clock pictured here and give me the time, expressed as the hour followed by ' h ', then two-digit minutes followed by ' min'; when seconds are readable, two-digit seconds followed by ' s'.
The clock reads 4 h 54 min
